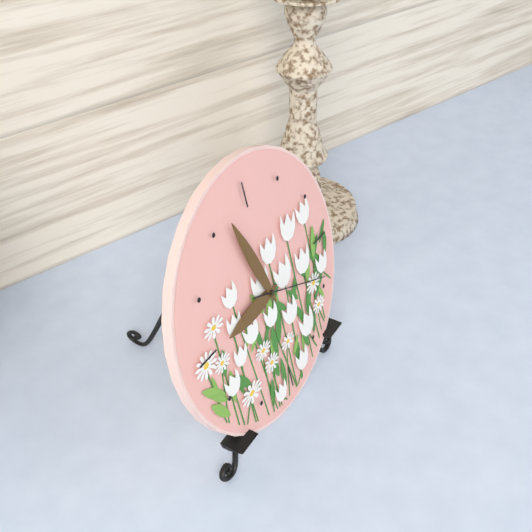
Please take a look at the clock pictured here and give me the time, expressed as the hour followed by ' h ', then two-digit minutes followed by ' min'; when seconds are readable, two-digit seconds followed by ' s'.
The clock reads 8 h 57 min 19 s
